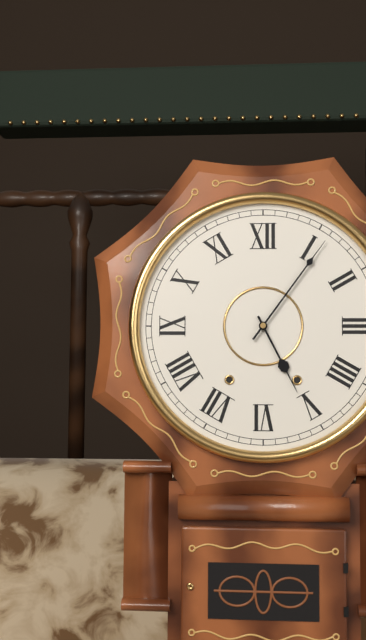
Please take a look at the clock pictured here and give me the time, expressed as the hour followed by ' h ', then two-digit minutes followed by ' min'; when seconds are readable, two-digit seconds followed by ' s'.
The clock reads 5 h 06 min
